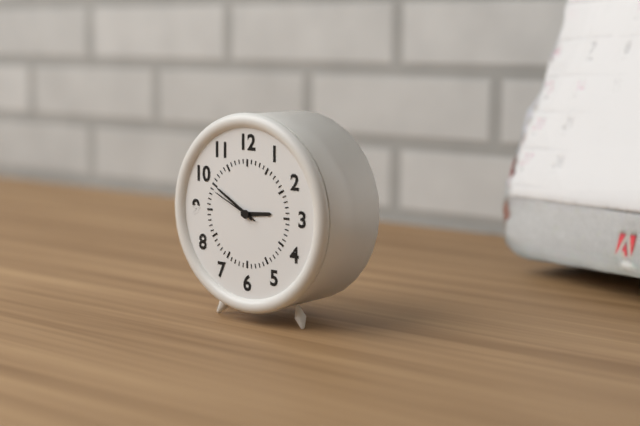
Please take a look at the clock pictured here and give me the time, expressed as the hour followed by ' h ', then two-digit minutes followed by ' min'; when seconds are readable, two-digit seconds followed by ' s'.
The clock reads 2 h 50 min
